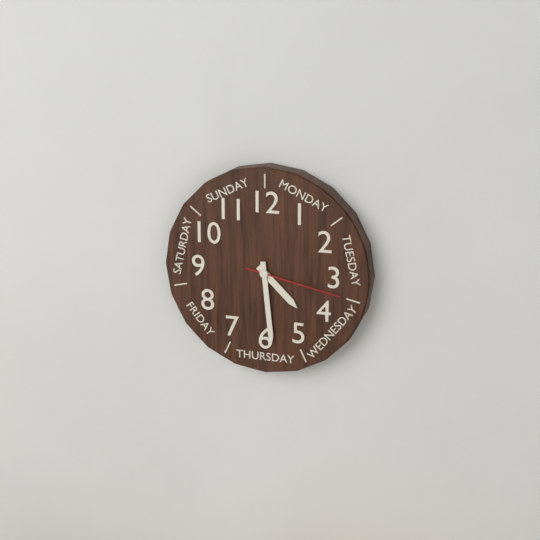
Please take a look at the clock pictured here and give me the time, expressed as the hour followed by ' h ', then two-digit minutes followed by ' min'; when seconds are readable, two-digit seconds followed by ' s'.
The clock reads 4 h 29 min 17 s
